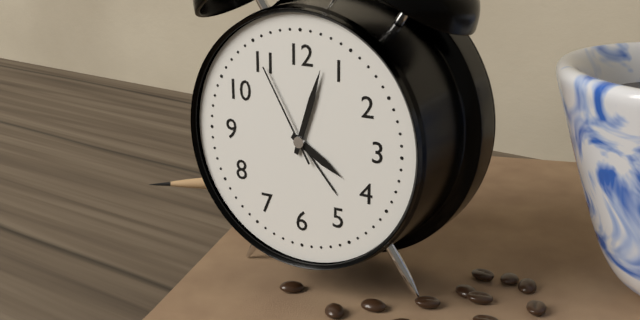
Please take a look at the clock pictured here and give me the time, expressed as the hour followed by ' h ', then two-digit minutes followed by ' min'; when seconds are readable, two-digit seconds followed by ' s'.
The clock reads 4 h 03 min 55 s
